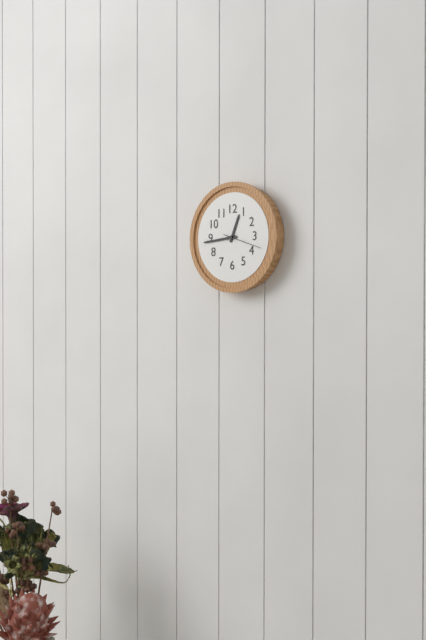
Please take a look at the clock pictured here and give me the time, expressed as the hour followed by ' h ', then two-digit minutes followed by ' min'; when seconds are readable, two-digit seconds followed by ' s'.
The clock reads 12 h 44 min
